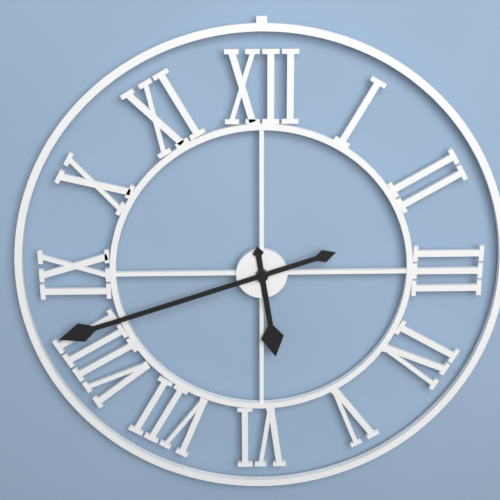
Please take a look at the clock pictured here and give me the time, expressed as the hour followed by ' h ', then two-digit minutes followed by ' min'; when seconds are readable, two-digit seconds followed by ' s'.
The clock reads 5 h 42 min
